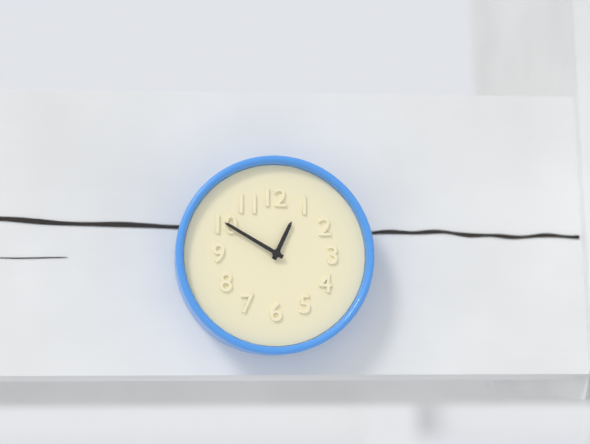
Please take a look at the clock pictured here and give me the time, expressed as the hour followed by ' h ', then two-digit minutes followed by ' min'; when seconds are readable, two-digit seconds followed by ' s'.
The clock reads 12 h 50 min
